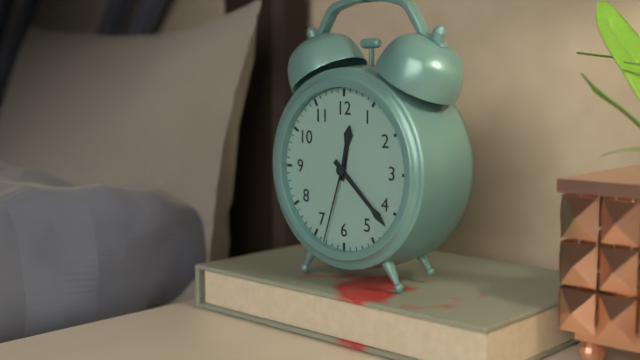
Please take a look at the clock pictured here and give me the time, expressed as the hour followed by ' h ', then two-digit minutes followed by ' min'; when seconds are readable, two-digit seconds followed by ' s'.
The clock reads 12 h 22 min 33 s
